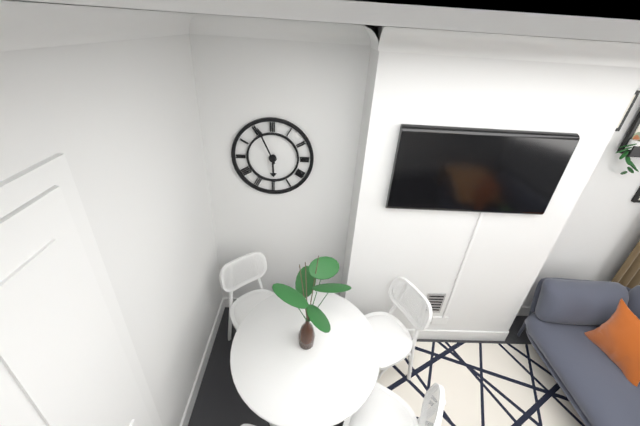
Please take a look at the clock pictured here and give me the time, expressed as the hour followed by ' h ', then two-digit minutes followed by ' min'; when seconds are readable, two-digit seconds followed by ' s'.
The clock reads 5 h 56 min
